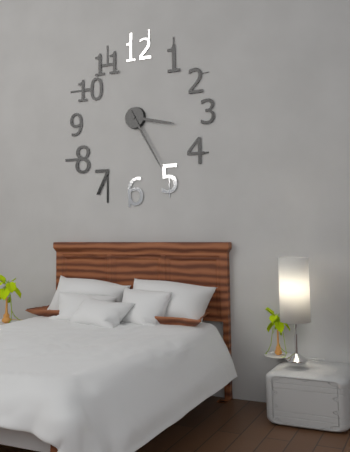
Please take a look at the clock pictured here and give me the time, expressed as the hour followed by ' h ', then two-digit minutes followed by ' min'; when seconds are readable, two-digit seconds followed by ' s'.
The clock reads 3 h 25 min
